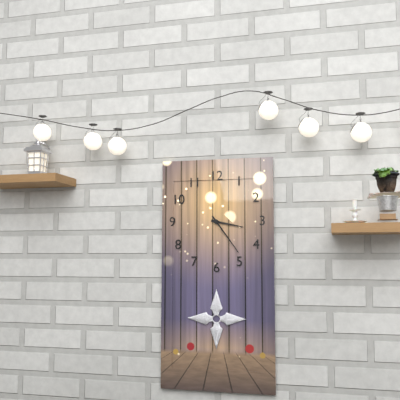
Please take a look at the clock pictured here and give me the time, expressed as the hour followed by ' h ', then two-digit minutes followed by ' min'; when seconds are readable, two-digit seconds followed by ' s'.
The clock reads 3 h 24 min
